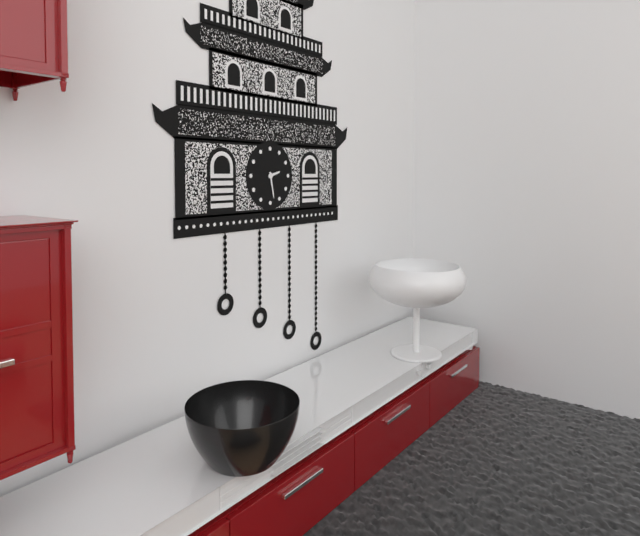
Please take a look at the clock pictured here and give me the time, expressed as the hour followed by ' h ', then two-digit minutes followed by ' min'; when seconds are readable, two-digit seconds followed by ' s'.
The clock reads 2 h 28 min
